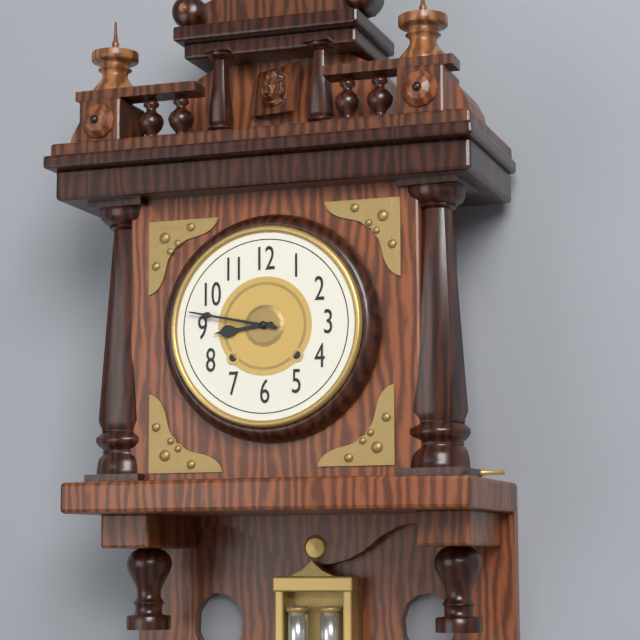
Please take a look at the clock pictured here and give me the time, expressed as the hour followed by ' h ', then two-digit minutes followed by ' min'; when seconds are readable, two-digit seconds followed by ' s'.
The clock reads 8 h 47 min
